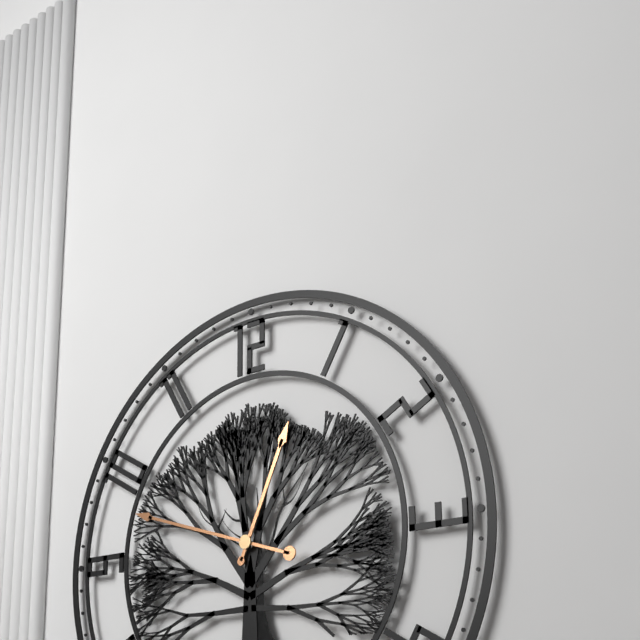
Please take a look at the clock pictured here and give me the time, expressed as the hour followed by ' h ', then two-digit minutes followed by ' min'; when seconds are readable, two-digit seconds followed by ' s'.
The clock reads 12 h 48 min
